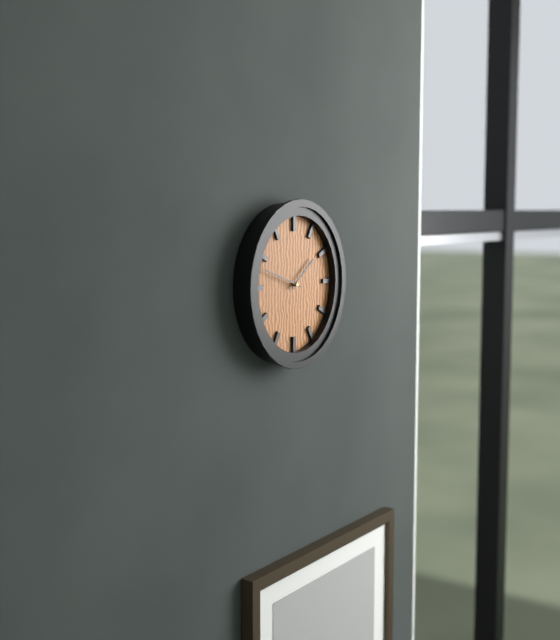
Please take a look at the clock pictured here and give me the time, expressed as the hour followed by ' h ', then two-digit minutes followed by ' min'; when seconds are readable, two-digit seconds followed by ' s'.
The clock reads 1 h 48 min
